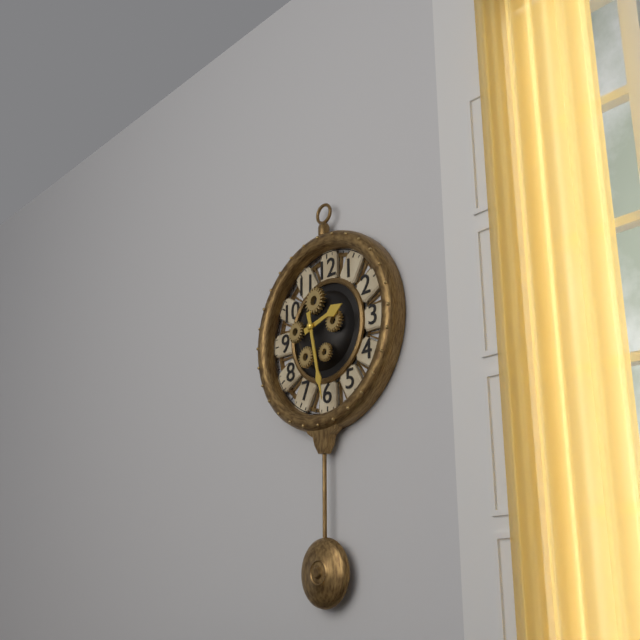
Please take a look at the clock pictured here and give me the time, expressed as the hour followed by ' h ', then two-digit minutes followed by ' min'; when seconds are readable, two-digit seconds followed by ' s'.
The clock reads 2 h 28 min
